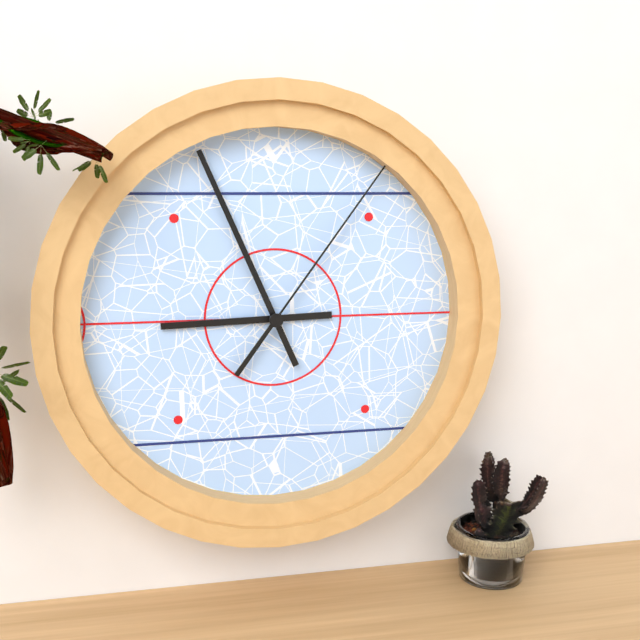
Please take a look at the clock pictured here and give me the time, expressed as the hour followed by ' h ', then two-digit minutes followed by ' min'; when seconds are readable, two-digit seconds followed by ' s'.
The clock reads 8 h 56 min 06 s
